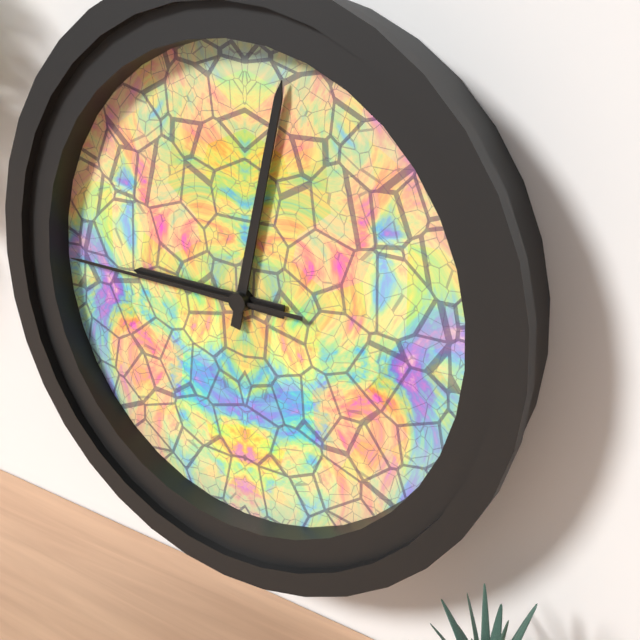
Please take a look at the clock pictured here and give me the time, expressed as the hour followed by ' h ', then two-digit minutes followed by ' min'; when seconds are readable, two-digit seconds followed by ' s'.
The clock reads 9 h 02 min 45 s
